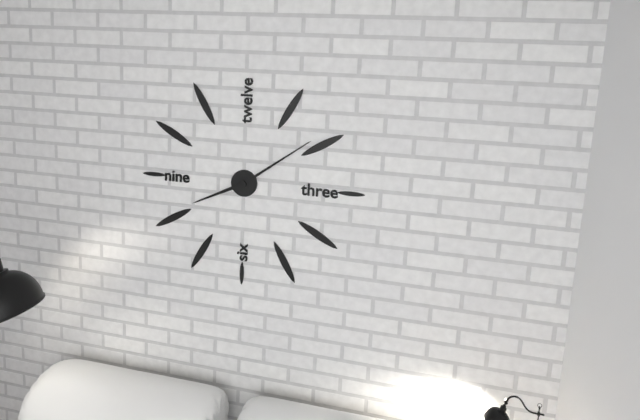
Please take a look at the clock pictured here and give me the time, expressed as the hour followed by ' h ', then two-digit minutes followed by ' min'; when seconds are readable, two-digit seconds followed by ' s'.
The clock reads 8 h 09 min
